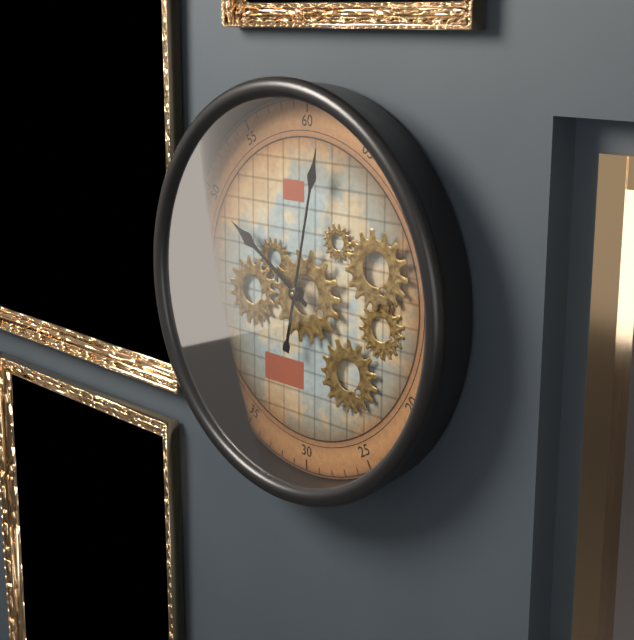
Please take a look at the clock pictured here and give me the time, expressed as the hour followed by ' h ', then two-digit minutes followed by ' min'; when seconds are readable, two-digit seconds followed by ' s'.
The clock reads 10 h 02 min
